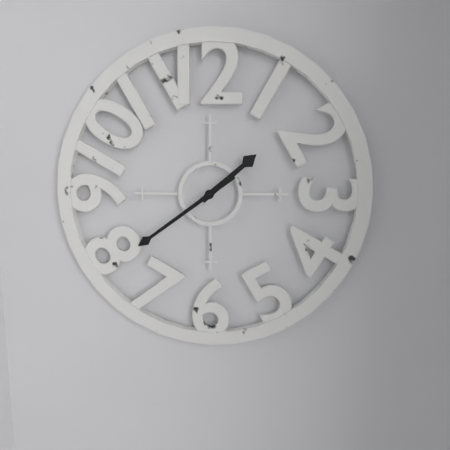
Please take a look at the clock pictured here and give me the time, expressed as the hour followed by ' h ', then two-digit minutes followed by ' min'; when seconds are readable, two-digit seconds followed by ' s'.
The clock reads 1 h 39 min
